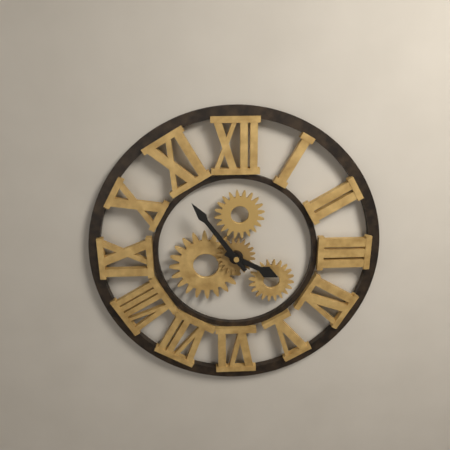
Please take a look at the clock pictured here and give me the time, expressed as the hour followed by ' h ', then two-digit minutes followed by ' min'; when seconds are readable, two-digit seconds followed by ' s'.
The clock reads 3 h 54 min
